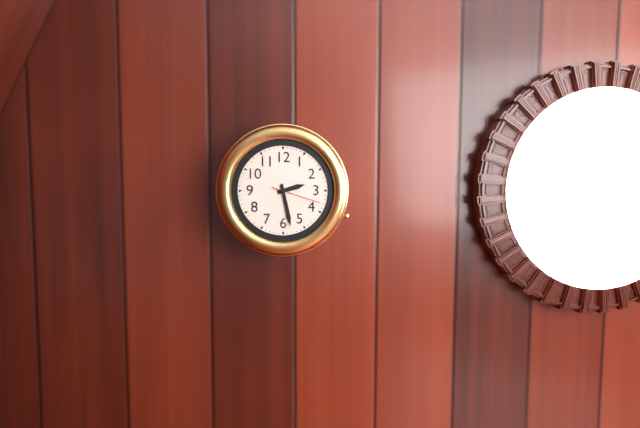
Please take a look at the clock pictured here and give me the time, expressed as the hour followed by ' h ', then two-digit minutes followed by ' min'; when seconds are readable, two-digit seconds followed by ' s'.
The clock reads 2 h 28 min
